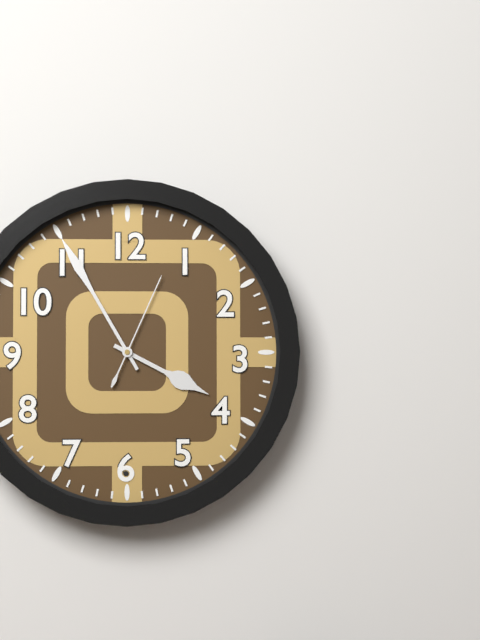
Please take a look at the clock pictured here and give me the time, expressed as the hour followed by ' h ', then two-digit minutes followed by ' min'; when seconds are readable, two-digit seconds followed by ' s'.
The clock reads 3 h 55 min 04 s
